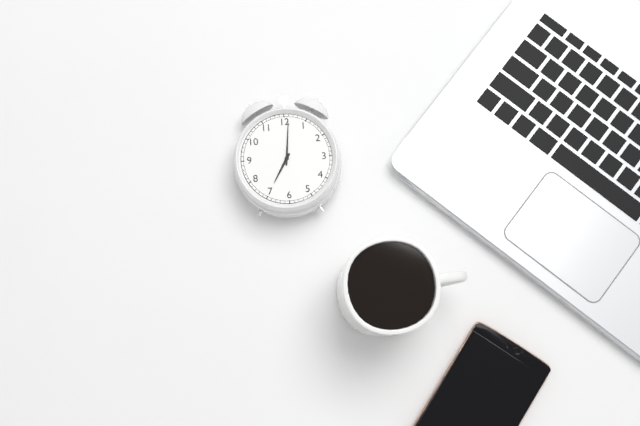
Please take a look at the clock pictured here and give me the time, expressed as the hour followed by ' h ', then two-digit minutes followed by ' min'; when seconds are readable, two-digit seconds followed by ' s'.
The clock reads 7 h 01 min
